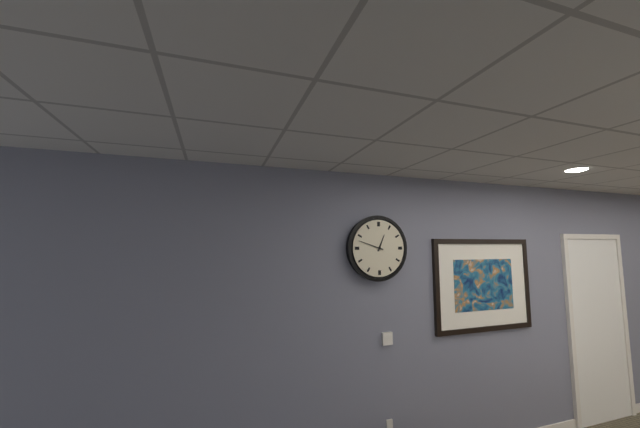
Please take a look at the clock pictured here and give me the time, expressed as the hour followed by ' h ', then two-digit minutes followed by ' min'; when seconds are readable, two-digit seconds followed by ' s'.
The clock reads 12 h 48 min
